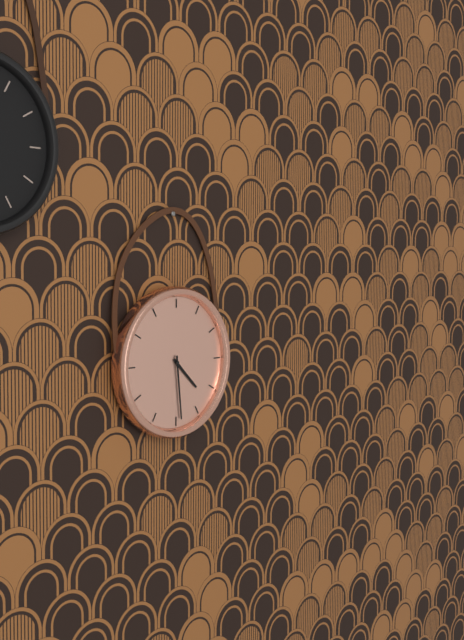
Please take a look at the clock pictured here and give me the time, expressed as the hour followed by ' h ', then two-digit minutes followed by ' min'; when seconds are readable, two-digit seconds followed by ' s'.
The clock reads 4 h 29 min
